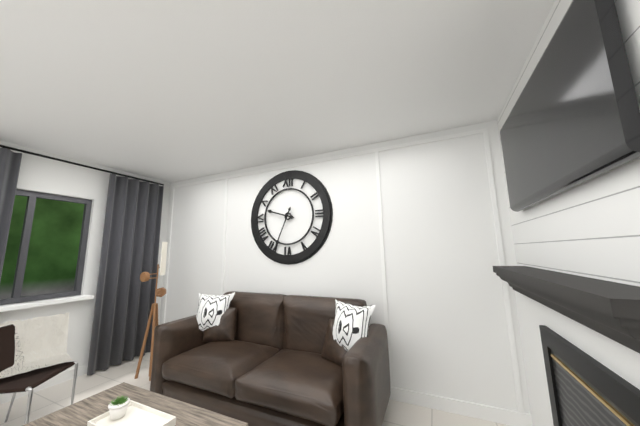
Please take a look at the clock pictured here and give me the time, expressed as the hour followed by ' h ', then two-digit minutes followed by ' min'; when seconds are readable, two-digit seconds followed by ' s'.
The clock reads 9 h 34 min
